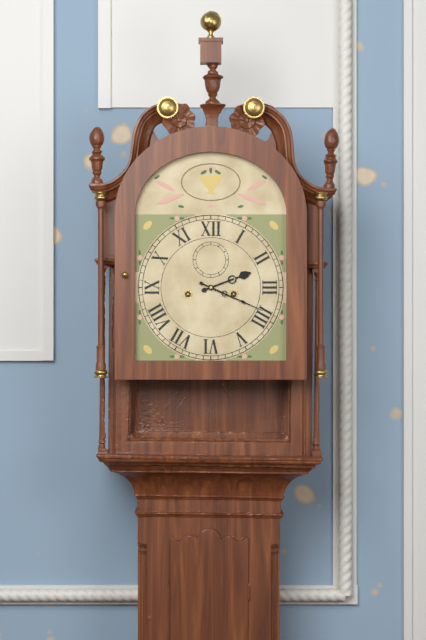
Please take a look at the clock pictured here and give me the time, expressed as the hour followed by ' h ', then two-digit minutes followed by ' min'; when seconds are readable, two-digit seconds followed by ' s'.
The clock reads 2 h 19 min
